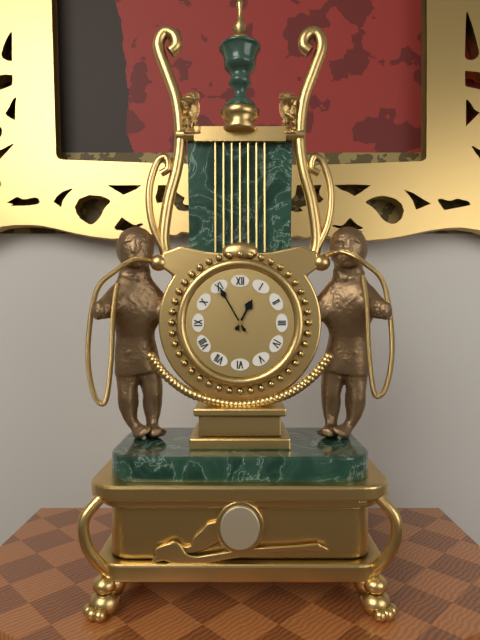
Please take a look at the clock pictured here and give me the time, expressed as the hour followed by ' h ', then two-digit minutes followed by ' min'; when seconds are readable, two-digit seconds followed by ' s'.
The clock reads 12 h 55 min
